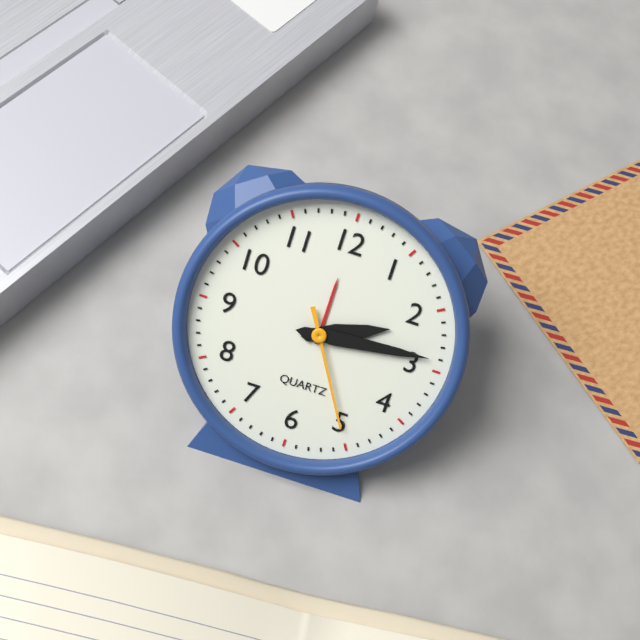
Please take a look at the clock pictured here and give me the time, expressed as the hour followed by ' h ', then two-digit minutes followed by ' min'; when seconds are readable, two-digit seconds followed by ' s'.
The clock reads 2 h 14 min 25 s
